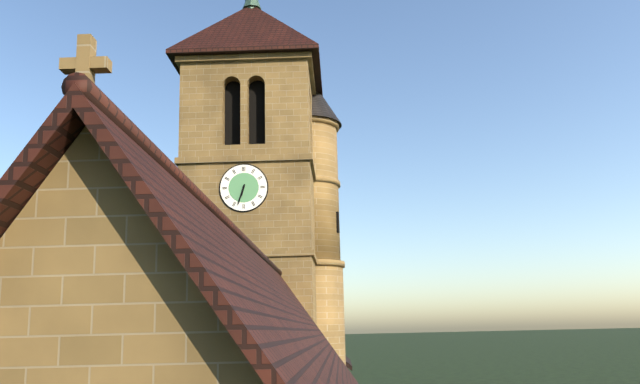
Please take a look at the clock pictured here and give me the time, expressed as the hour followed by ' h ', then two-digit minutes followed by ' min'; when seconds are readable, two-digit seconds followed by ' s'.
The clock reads 6 h 33 min
